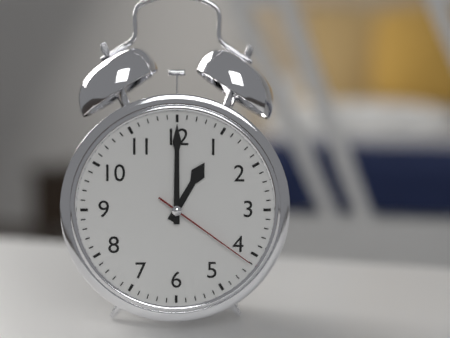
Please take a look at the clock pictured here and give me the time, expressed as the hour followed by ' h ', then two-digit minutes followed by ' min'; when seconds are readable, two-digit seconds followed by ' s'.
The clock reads 1 h 00 min 21 s
